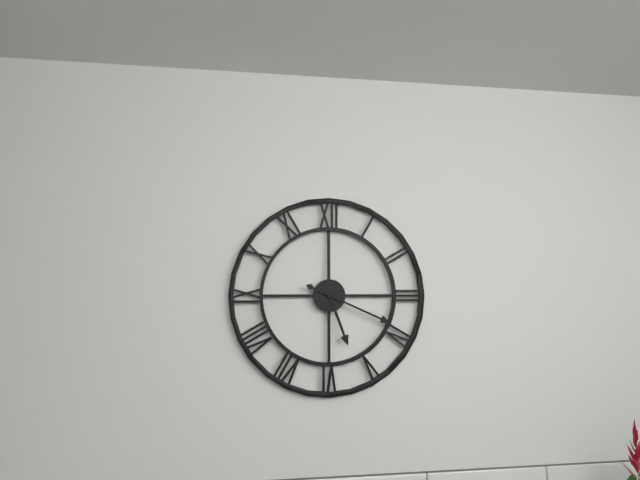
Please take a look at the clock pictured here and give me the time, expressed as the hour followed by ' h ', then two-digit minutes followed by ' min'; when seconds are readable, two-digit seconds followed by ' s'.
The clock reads 5 h 19 min
